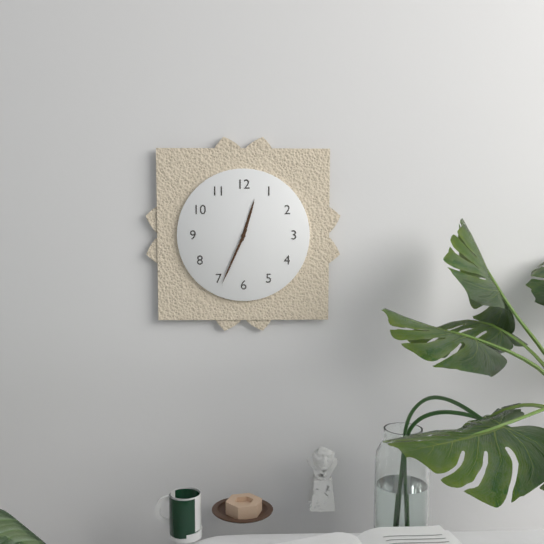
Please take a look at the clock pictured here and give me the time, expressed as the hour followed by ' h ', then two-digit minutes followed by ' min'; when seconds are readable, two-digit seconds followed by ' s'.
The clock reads 12 h 34 min
